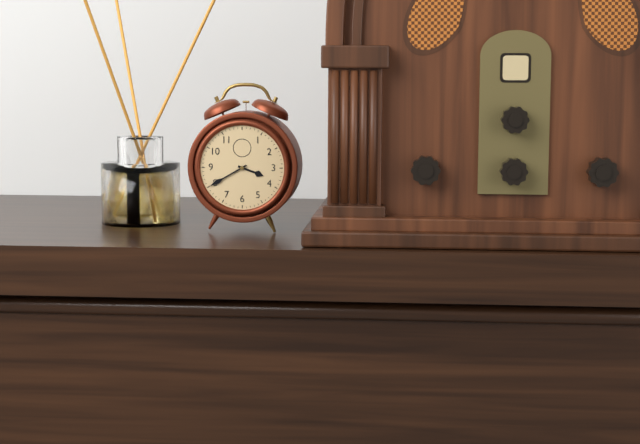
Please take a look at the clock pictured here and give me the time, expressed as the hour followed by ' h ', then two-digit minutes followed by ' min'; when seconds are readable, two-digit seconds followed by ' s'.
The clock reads 3 h 40 min
